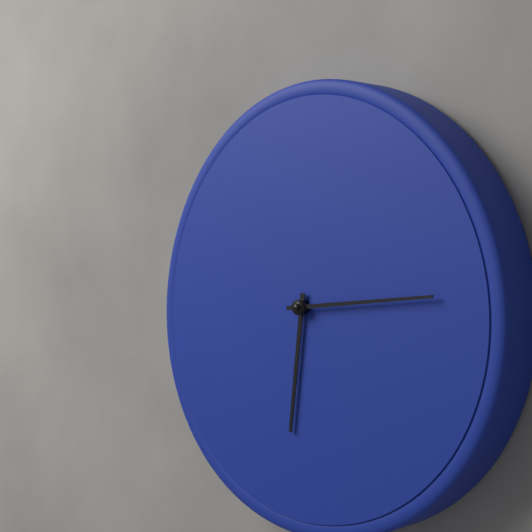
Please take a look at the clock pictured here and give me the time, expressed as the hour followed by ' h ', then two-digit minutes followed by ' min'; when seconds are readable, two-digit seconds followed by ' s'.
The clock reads 6 h 14 min
